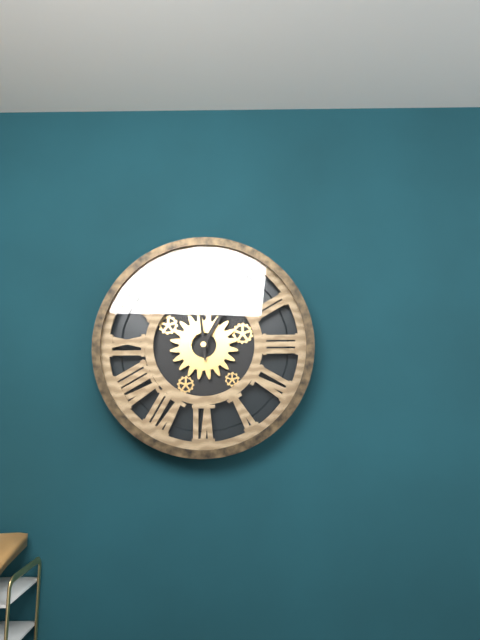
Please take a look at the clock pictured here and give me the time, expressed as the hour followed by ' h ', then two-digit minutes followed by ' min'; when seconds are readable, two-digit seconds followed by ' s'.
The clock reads 12 h 59 min
